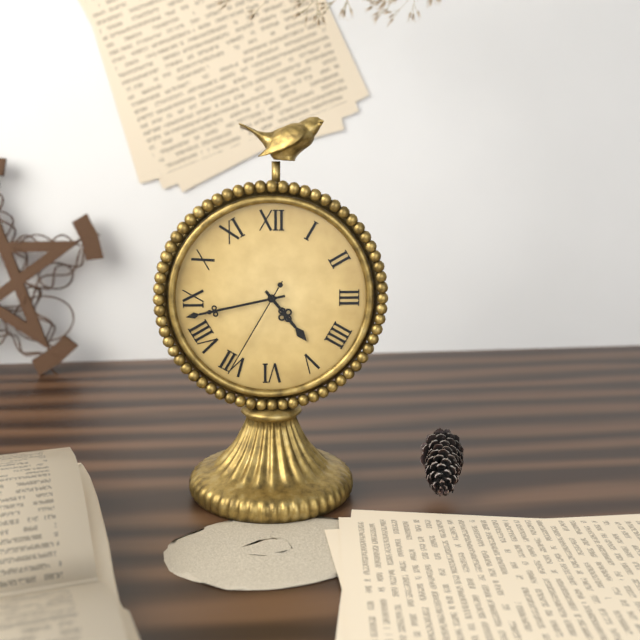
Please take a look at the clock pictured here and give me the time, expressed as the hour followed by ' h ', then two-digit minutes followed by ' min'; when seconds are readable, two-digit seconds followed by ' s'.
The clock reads 4 h 43 min 35 s
